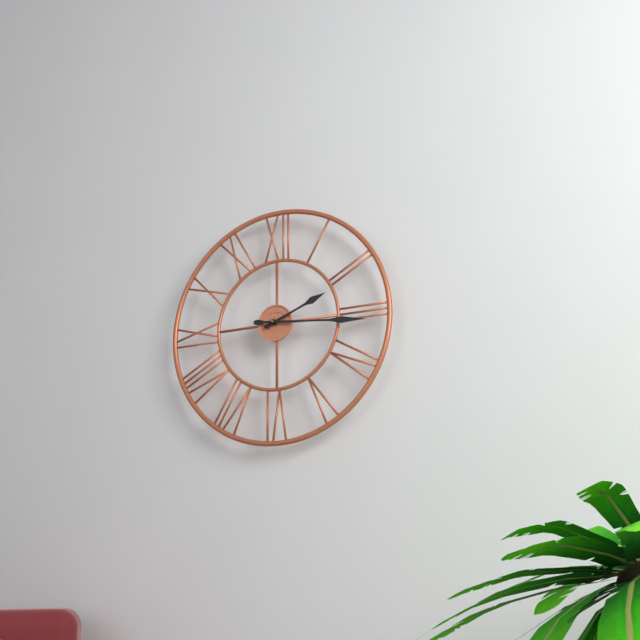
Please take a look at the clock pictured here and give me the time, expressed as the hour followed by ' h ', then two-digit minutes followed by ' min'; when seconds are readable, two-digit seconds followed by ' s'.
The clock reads 2 h 16 min
